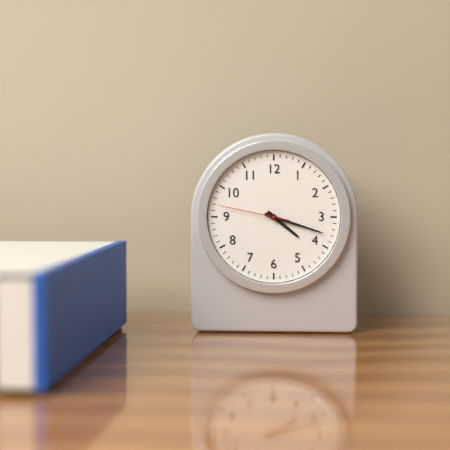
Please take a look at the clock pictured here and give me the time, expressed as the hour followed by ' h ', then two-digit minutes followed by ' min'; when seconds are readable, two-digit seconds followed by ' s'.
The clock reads 4 h 18 min 47 s
